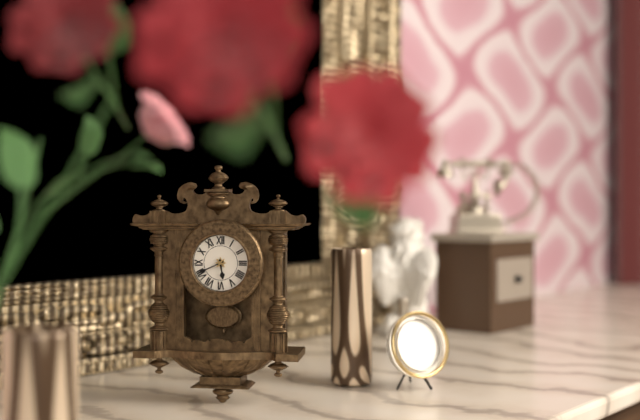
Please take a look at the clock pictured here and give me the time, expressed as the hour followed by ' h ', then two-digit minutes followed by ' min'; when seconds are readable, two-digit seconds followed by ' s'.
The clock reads 5 h 41 min
